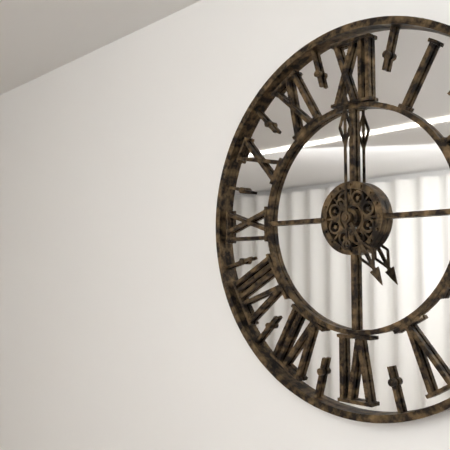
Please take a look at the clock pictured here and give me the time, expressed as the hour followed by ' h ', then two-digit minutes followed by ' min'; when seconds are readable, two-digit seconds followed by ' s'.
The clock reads 5 h 00 min
